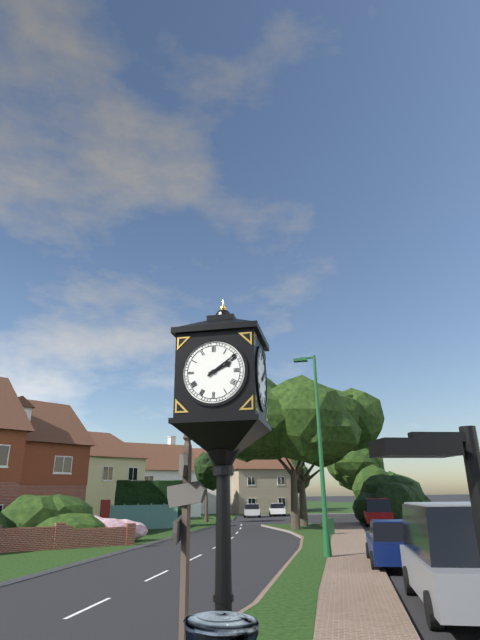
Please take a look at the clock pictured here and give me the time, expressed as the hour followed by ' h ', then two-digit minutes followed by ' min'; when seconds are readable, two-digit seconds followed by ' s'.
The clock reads 2 h 09 min
